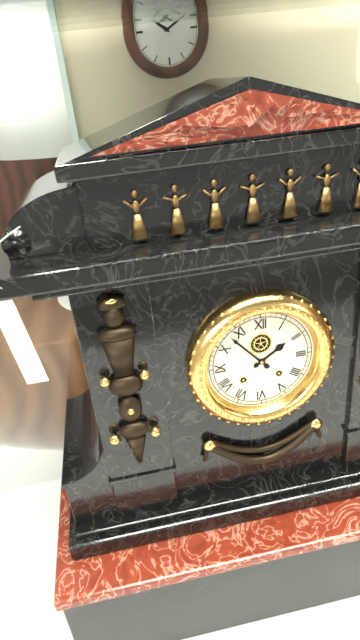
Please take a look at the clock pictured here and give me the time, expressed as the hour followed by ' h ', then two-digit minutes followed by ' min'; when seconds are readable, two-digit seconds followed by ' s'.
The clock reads 1 h 53 min
